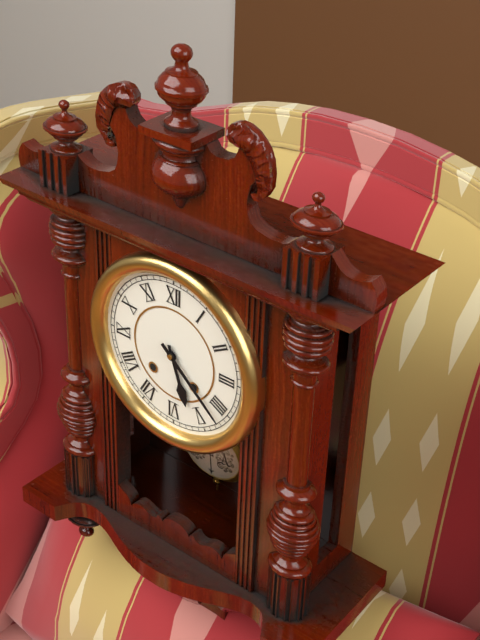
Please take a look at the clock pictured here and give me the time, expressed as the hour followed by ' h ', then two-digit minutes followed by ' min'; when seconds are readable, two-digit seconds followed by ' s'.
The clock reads 5 h 22 min
